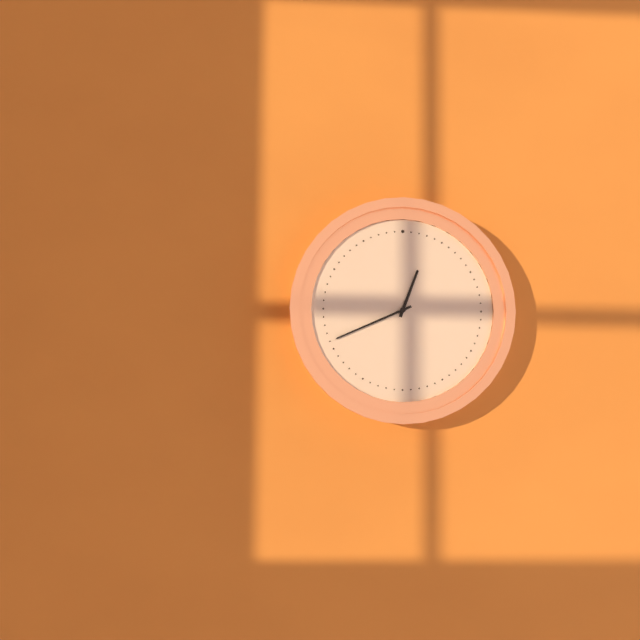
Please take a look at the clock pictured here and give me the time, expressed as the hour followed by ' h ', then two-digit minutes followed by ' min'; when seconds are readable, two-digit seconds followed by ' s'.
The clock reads 12 h 41 min
